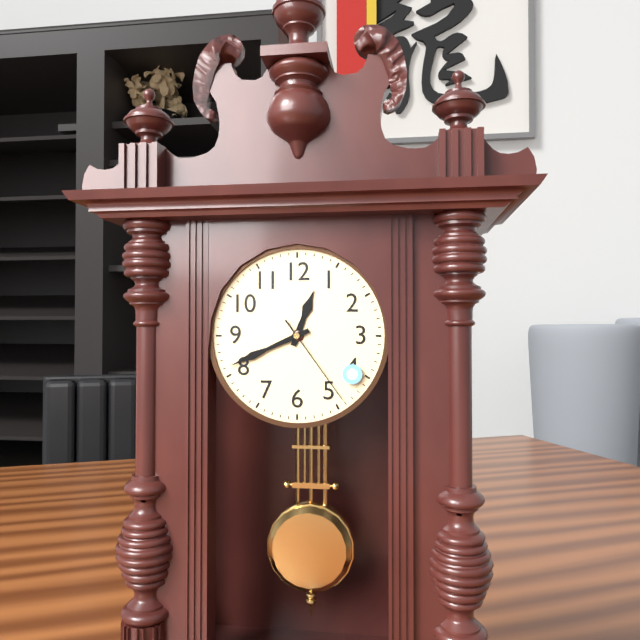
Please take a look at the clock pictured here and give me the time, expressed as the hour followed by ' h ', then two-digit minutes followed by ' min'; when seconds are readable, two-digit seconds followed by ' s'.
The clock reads 12 h 41 min 24 s
